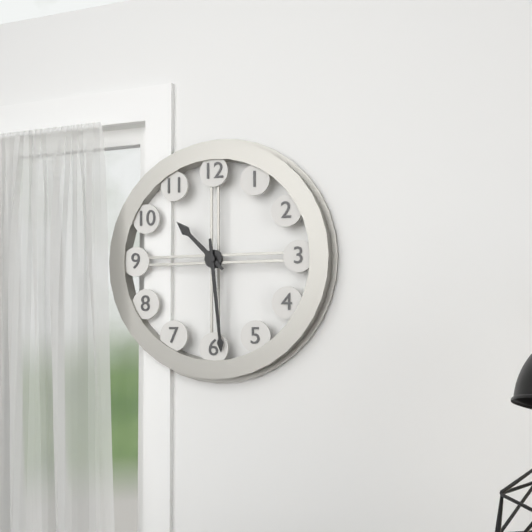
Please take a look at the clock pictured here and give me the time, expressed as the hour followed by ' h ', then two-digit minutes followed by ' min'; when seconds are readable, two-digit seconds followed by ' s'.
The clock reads 10 h 29 min
